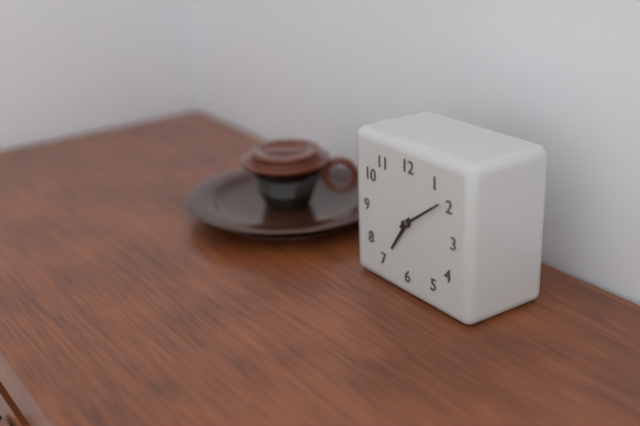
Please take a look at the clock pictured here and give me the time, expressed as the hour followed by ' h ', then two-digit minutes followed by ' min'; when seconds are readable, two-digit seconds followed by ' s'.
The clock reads 7 h 09 min
